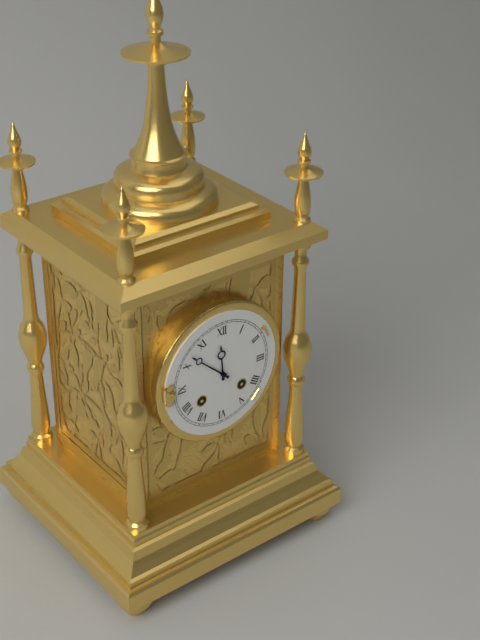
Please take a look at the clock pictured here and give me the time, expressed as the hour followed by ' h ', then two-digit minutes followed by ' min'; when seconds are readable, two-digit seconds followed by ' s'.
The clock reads 11 h 52 min
